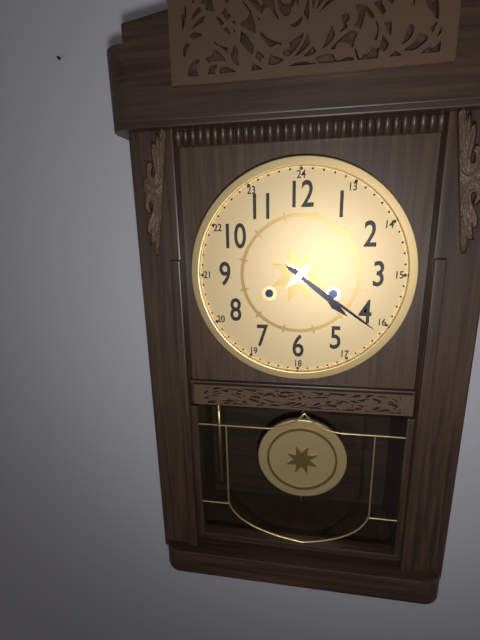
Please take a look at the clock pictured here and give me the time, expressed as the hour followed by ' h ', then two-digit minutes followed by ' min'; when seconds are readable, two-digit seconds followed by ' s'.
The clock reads 4 h 21 min
